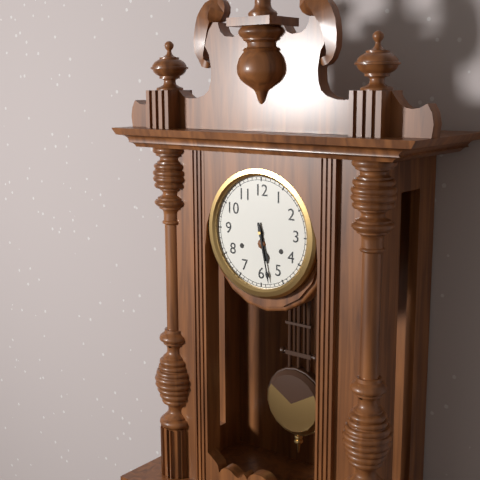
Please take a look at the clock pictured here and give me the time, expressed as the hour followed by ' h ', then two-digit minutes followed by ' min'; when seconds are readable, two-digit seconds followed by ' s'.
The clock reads 5 h 28 min
